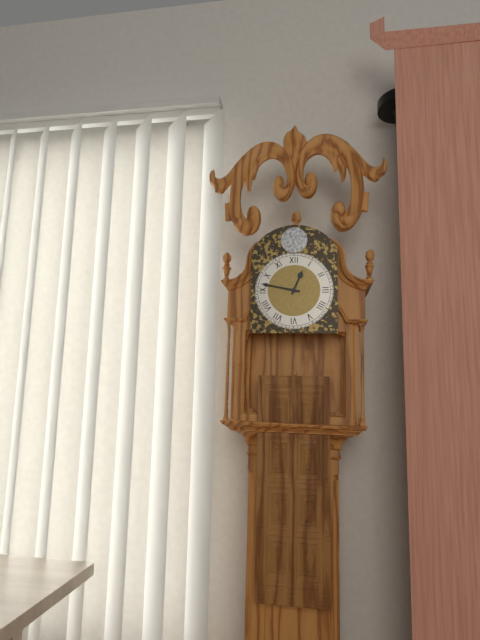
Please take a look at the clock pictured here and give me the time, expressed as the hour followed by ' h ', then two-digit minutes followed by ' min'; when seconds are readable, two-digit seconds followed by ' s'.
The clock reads 12 h 47 min
